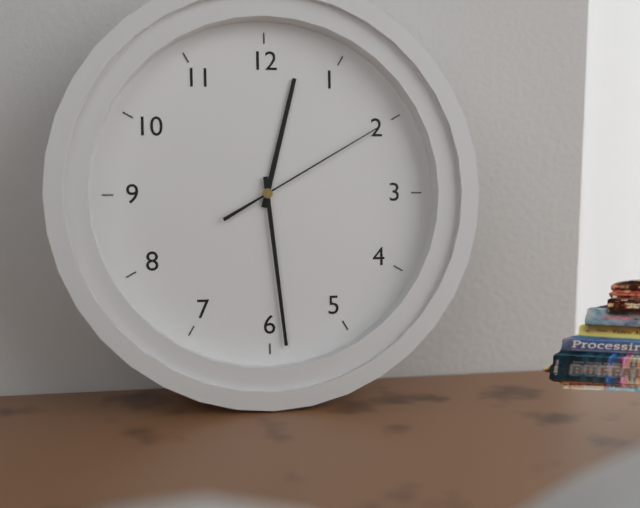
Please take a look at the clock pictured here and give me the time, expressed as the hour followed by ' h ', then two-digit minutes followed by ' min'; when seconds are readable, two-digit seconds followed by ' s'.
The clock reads 12 h 29 min 10 s
